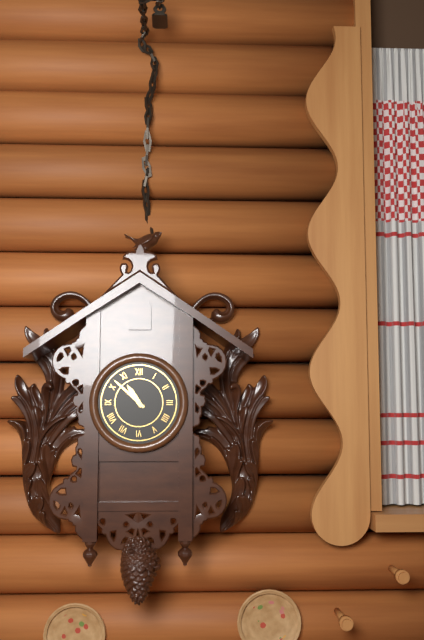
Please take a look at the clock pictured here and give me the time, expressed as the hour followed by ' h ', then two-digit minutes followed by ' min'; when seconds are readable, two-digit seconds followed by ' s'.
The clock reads 10 h 52 min
